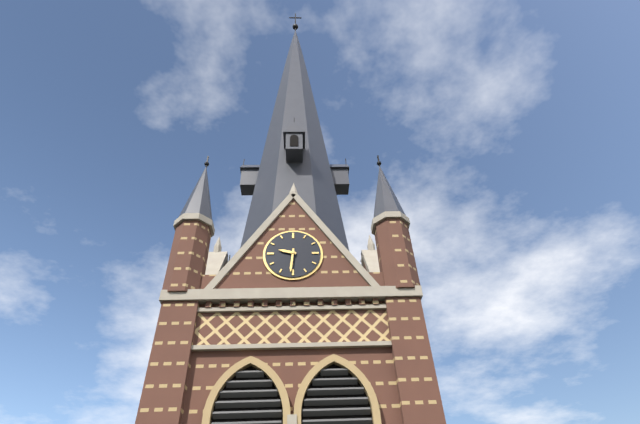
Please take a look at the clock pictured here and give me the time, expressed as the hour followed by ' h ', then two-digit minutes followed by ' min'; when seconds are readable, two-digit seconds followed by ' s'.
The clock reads 9 h 31 min
